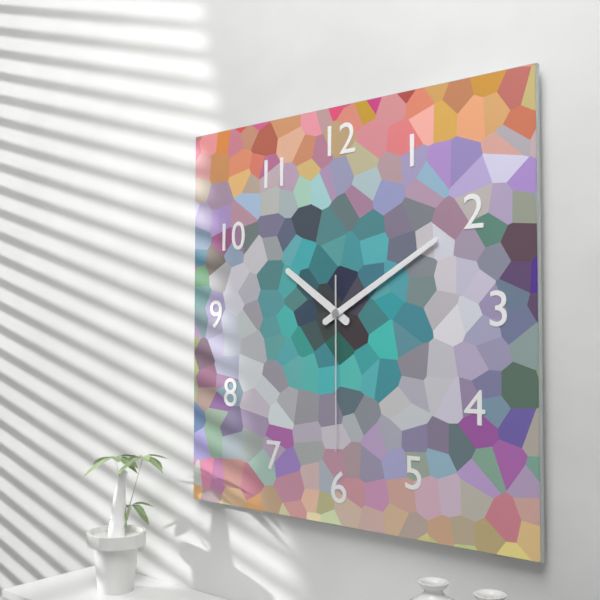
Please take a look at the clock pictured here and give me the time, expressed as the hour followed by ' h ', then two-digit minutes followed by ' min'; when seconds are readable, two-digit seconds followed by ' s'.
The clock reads 10 h 10 min 30 s
